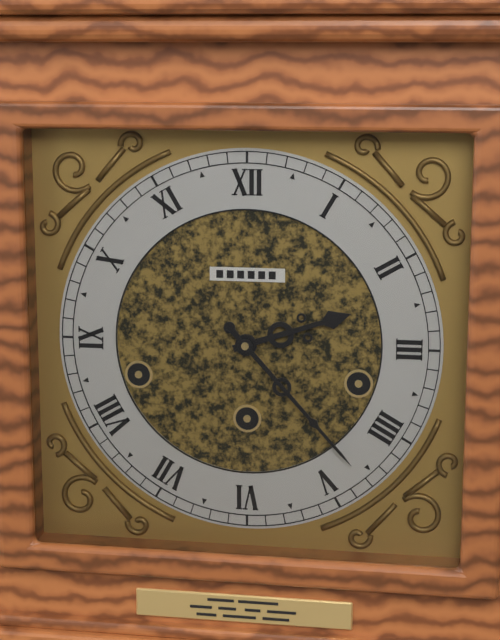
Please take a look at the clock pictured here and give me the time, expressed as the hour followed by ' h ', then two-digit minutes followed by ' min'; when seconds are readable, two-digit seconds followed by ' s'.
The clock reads 2 h 23 min
